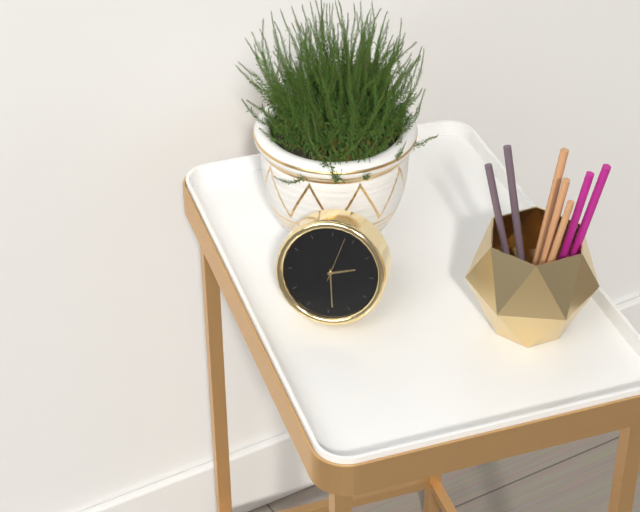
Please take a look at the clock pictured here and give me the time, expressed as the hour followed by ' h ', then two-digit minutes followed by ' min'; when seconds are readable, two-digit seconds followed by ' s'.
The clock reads 2 h 29 min
